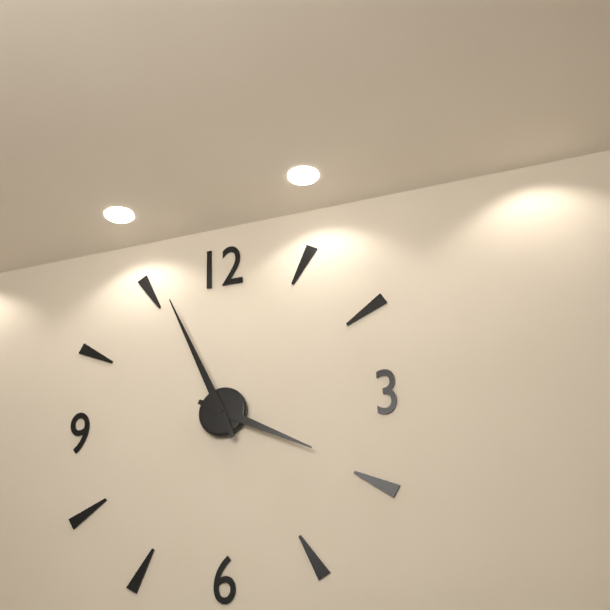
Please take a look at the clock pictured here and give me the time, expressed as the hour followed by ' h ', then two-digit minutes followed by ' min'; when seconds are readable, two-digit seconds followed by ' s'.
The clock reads 3 h 56 min
